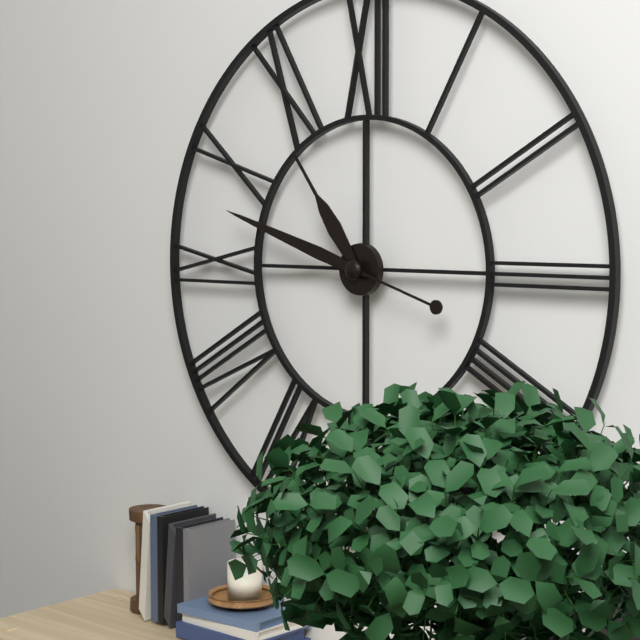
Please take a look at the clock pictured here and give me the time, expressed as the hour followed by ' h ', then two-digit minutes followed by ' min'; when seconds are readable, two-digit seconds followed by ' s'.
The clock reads 10 h 48 min
